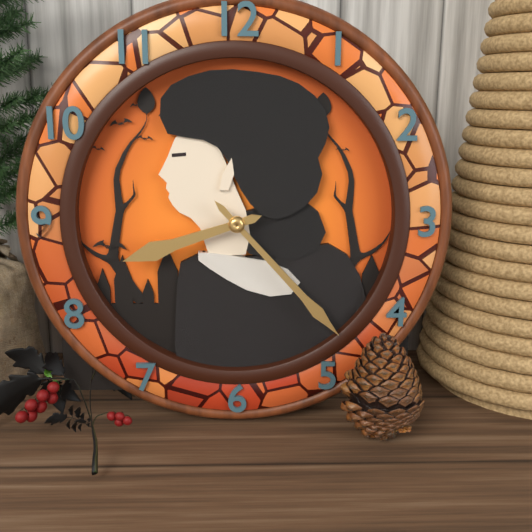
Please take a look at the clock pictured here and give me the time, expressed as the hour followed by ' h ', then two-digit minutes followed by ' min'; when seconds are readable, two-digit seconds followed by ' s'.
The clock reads 8 h 23 min
